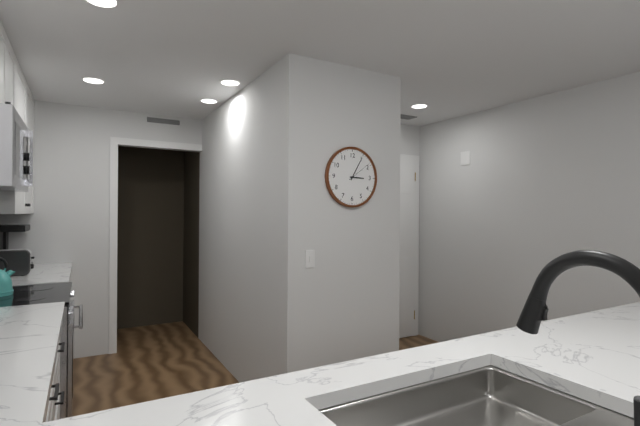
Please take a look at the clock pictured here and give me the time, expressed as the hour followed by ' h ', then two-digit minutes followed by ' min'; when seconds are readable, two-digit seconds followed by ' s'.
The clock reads 3 h 05 min
